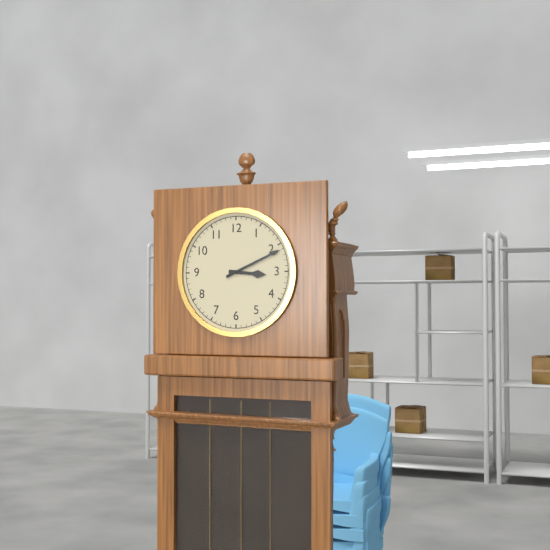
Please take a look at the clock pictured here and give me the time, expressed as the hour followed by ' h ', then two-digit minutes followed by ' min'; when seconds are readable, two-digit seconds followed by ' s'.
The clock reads 3 h 11 min
